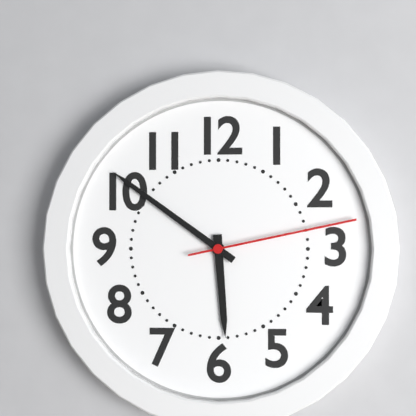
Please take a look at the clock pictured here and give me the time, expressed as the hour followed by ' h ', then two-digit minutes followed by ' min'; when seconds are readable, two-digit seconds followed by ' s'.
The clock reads 5 h 51 min 13 s
